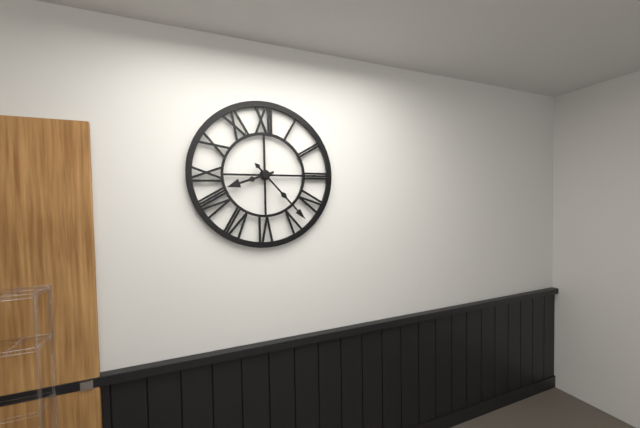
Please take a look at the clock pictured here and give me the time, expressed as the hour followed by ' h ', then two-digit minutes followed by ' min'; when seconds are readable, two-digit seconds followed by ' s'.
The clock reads 8 h 23 min
